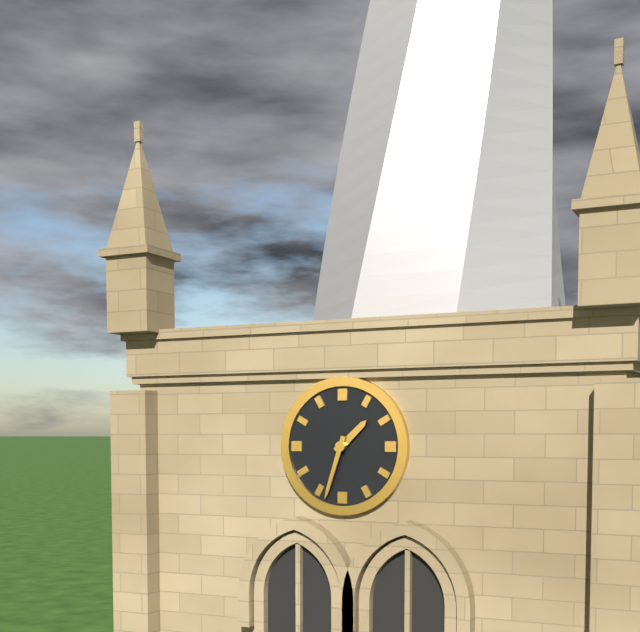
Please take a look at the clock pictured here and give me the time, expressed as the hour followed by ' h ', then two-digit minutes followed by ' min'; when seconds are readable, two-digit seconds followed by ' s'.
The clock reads 1 h 33 min
